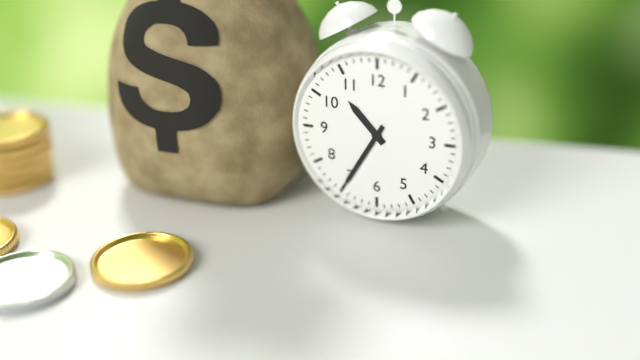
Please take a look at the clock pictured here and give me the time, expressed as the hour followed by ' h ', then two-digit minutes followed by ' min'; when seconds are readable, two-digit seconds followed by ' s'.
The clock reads 10 h 35 min
